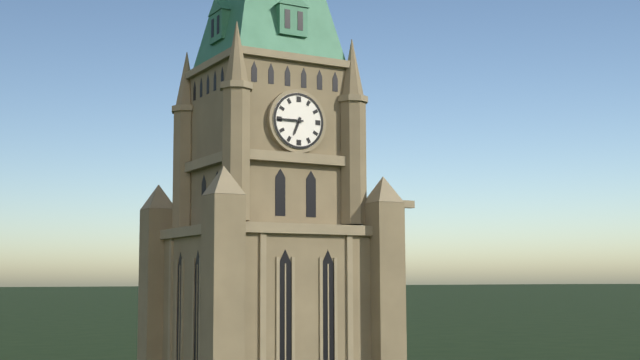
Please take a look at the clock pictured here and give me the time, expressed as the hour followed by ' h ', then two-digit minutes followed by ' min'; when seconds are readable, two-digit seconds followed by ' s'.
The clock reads 6 h 45 min
